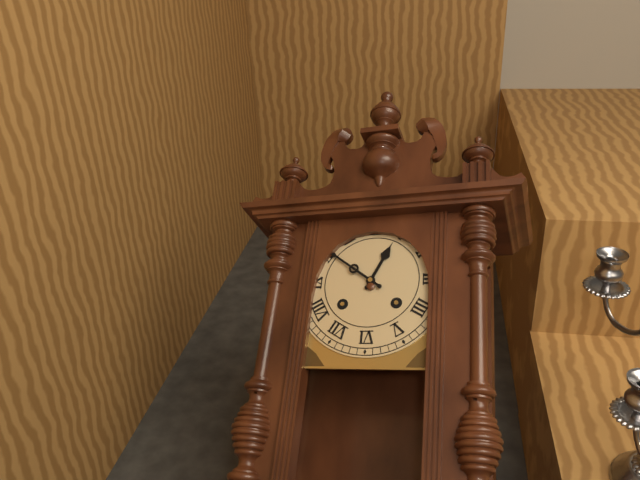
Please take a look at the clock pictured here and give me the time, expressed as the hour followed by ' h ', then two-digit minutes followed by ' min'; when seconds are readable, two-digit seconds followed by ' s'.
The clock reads 12 h 51 min
